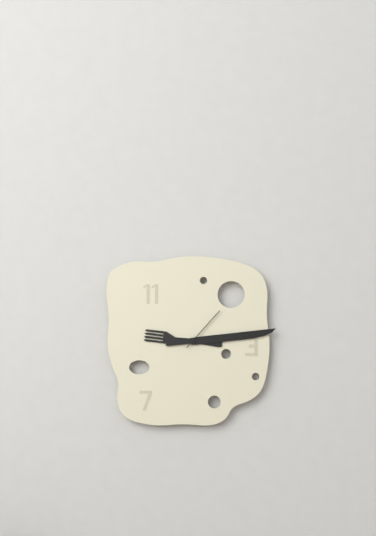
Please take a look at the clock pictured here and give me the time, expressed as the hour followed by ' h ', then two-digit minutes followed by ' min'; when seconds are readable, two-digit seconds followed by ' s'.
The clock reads 9 h 14 min 07 s
